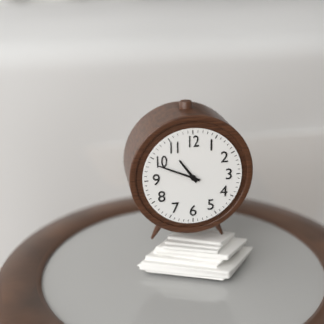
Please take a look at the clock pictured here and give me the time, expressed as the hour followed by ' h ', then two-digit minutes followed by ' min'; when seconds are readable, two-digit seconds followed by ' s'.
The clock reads 10 h 49 min
